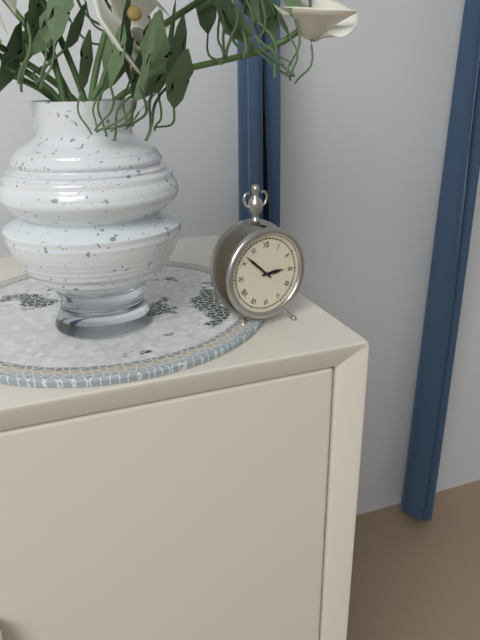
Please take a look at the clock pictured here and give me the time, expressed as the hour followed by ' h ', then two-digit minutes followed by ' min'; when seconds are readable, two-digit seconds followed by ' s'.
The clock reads 2 h 52 min
